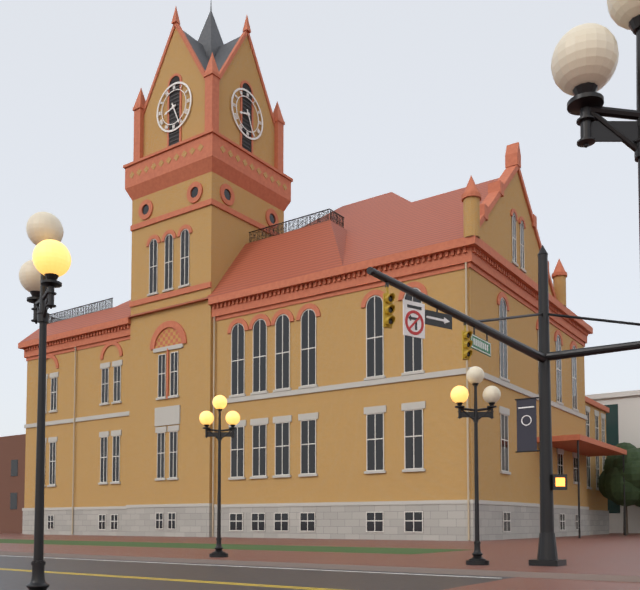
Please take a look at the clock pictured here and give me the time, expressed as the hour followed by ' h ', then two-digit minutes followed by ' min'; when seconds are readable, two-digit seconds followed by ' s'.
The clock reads 8 h 26 min
